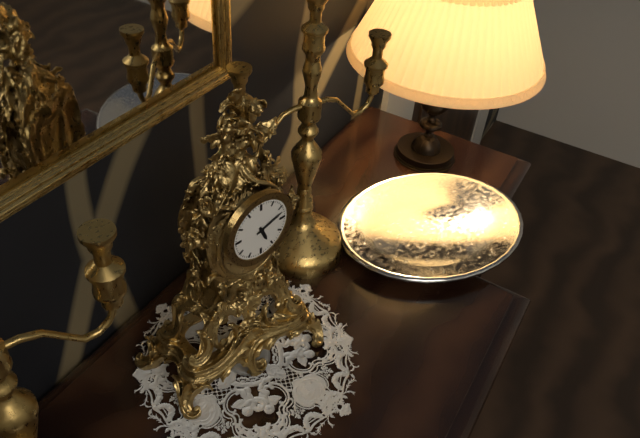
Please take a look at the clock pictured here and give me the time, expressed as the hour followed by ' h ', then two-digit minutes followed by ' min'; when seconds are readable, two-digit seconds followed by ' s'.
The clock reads 5 h 12 min
